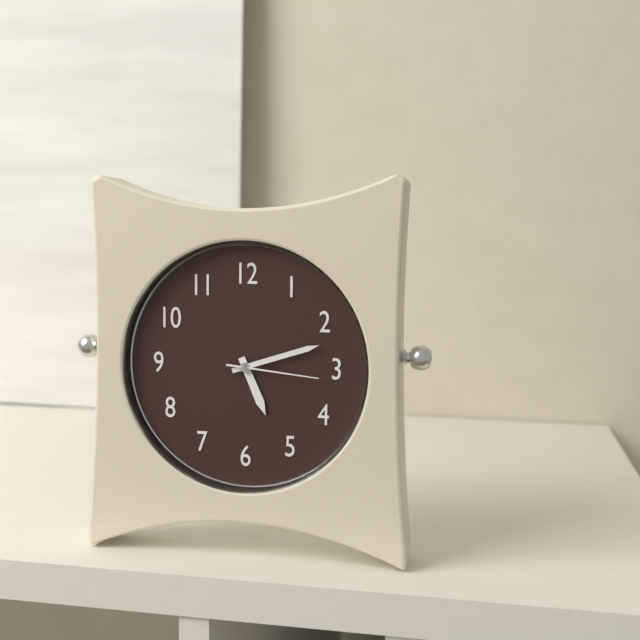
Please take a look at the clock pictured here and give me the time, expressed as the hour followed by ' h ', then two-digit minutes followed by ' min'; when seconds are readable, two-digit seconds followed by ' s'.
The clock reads 5 h 12 min 16 s
